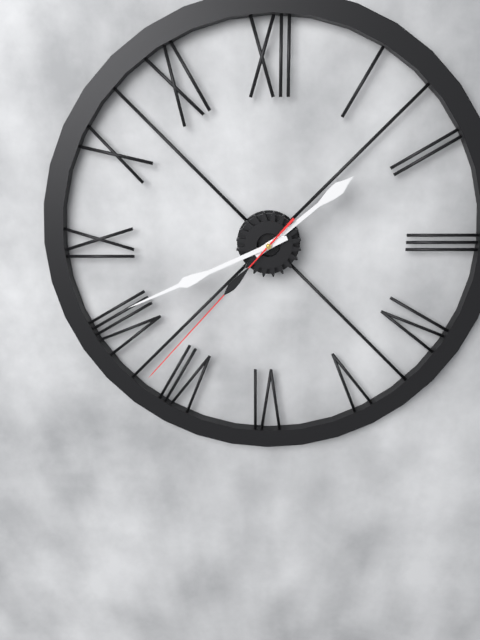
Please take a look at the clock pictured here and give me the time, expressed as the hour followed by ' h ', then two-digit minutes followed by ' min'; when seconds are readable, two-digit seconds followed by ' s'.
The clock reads 1 h 41 min 37 s
